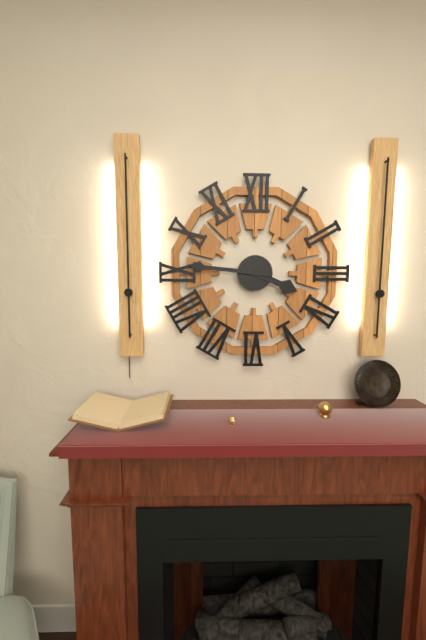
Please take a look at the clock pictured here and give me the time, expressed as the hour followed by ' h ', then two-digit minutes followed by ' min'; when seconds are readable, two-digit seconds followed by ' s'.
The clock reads 3 h 46 min
